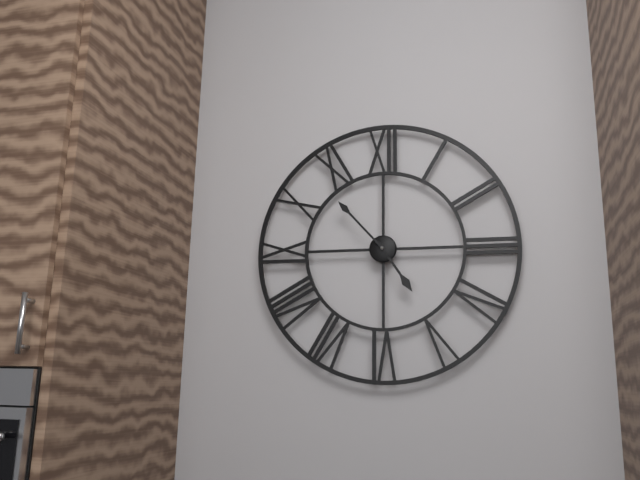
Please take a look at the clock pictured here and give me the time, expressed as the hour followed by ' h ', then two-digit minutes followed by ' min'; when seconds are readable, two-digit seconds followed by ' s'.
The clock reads 4 h 53 min
